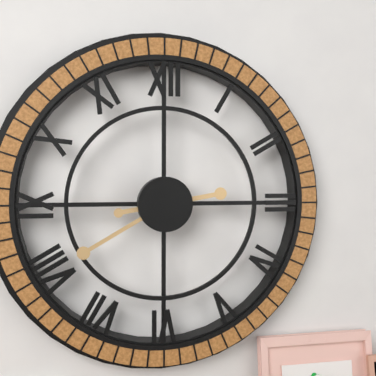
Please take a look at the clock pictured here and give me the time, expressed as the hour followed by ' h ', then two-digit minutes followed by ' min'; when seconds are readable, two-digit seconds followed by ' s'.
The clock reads 2 h 40 min
